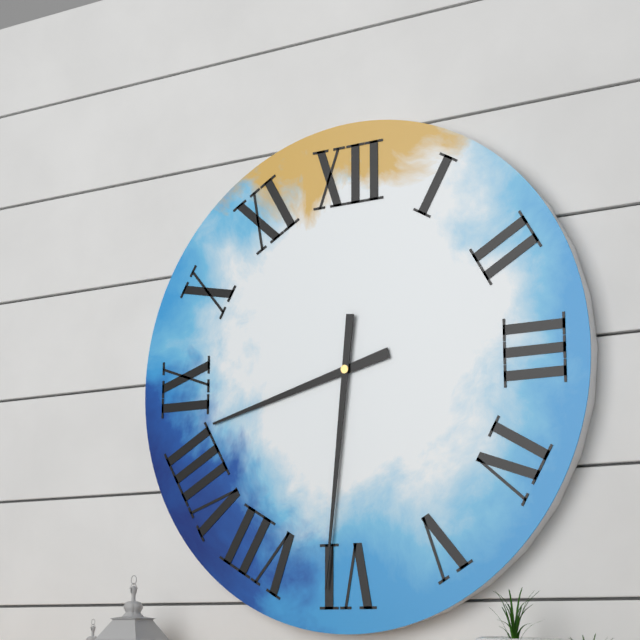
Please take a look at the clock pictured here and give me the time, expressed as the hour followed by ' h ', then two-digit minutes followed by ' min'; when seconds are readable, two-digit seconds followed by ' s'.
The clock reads 8 h 31 min
